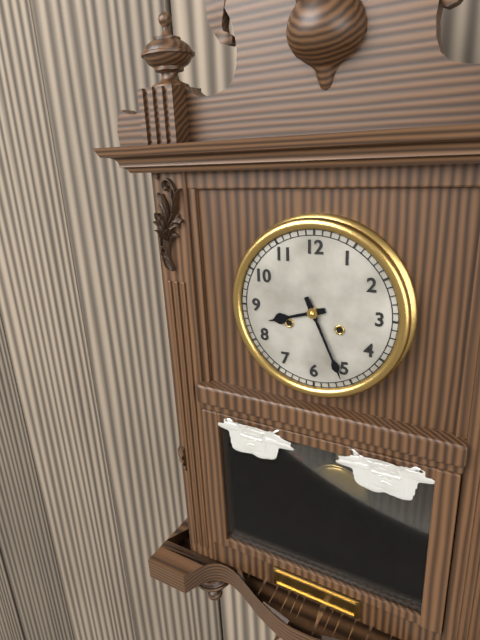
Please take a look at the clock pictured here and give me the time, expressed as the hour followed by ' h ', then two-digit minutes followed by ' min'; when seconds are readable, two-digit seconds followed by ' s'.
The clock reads 8 h 26 min
